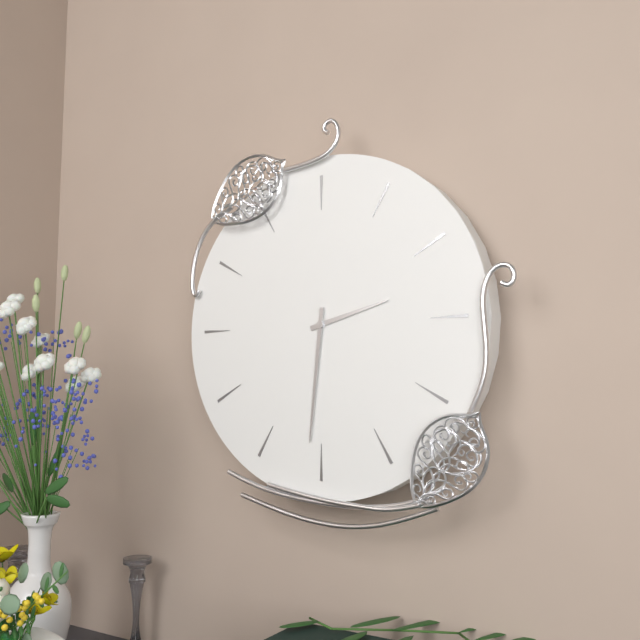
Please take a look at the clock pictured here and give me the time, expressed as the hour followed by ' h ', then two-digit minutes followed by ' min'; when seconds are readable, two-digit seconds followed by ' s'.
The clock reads 2 h 31 min
